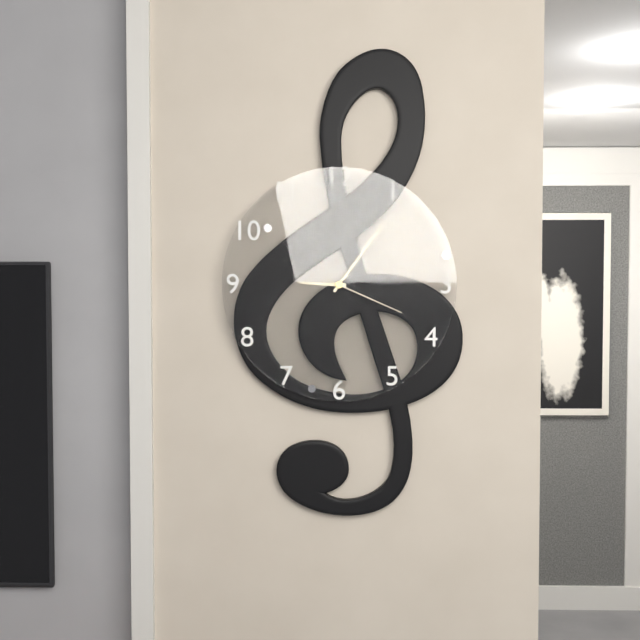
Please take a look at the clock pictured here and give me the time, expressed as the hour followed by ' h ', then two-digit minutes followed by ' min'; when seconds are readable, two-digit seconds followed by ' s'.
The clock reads 9 h 06 min 19 s
